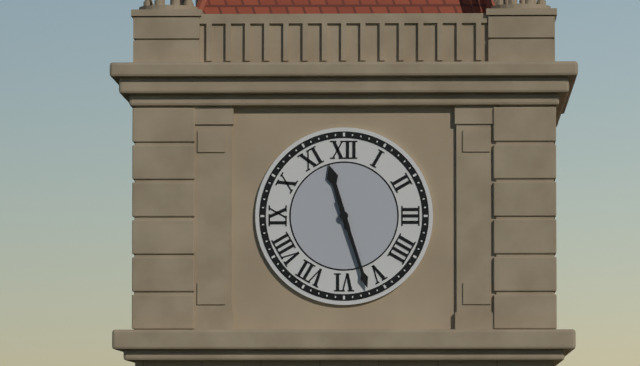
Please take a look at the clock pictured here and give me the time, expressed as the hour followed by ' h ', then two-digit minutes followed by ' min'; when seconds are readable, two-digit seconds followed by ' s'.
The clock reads 11 h 27 min
